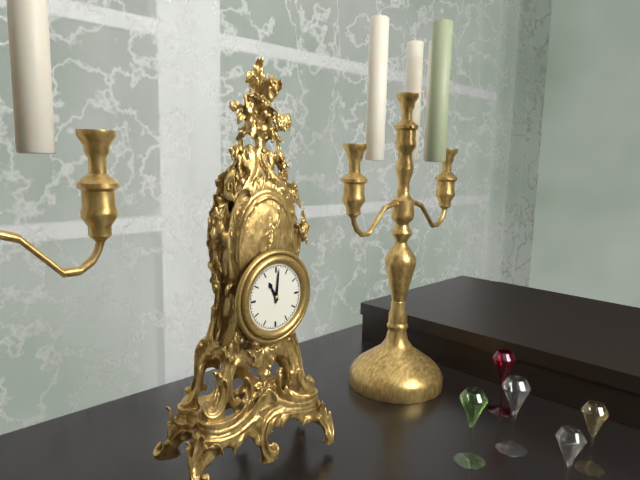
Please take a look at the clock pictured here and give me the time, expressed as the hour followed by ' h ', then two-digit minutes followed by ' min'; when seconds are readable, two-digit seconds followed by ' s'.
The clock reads 11 h 01 min
